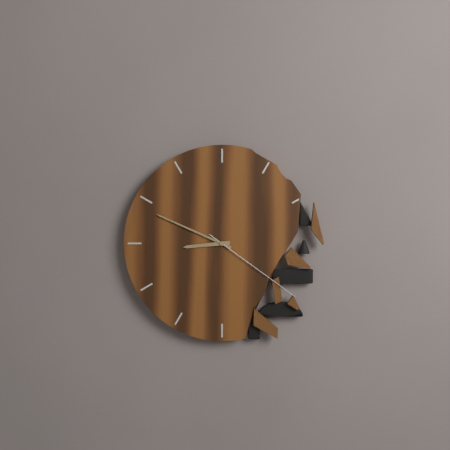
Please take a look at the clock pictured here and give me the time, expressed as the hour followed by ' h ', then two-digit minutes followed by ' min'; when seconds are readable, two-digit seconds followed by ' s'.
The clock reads 8 h 49 min 21 s
